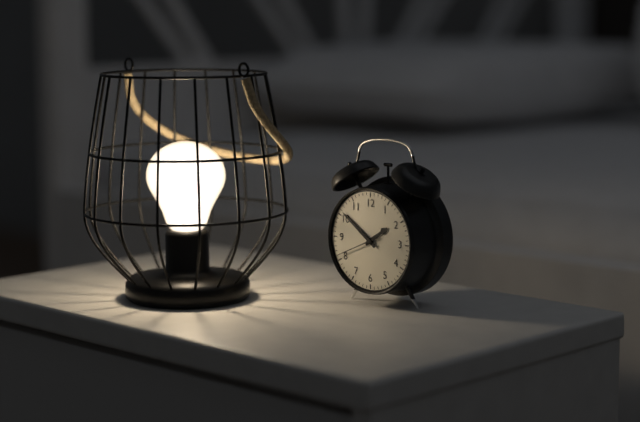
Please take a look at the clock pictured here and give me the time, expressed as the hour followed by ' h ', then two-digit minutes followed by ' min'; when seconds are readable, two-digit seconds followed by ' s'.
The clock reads 1 h 51 min
